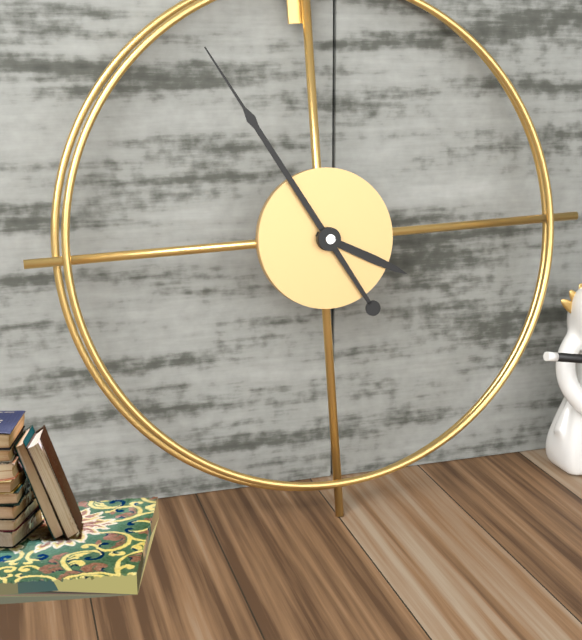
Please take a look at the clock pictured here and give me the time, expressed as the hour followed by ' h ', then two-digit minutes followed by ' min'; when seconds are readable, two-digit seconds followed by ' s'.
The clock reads 3 h 55 min
